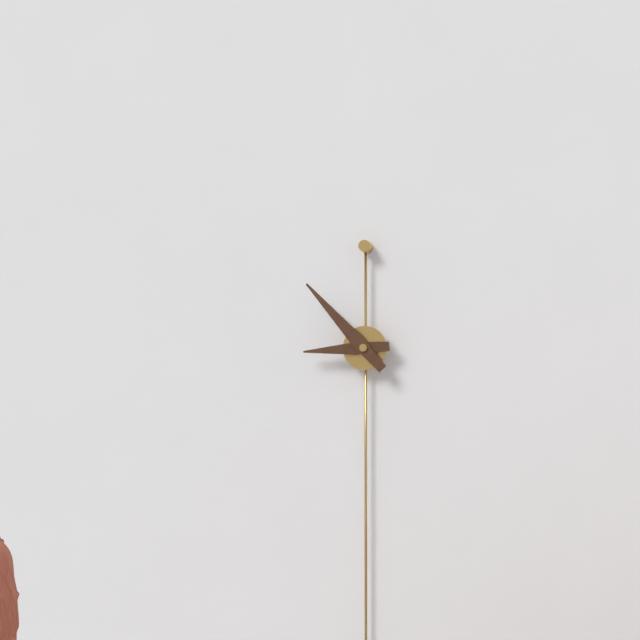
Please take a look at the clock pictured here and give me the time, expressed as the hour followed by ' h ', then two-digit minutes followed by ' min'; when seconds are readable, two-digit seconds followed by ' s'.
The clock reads 8 h 53 min
